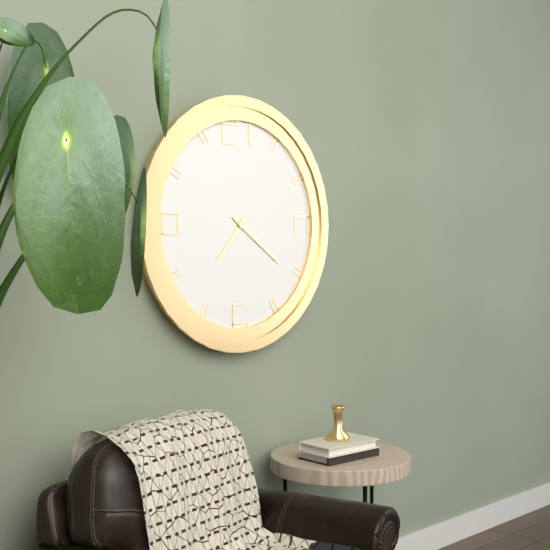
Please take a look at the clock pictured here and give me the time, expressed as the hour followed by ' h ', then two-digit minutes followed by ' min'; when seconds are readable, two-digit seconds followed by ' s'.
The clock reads 7 h 21 min
